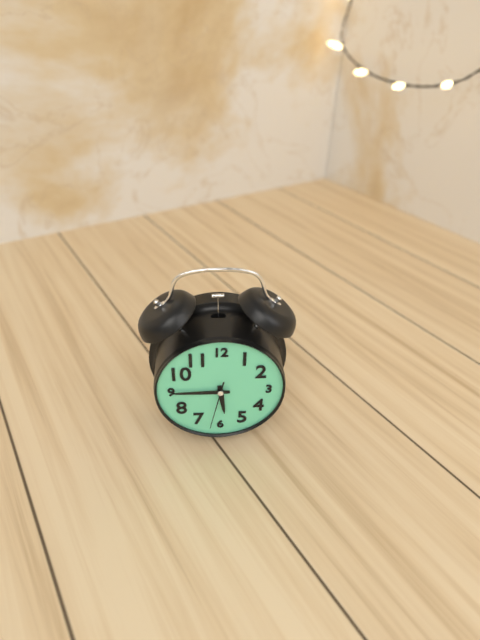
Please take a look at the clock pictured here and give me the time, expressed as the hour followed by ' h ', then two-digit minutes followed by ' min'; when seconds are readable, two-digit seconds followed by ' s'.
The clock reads 5 h 45 min
